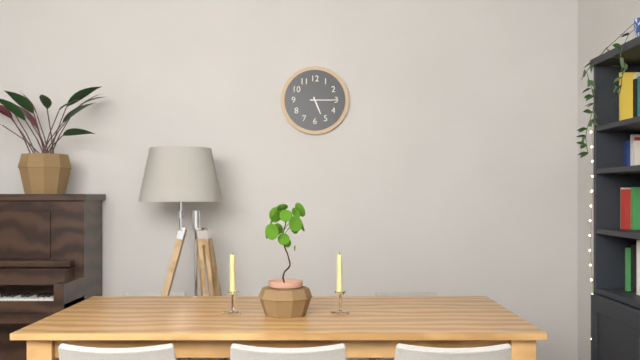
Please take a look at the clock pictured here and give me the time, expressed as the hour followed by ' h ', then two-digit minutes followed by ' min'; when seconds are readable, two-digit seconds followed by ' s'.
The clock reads 5 h 15 min
